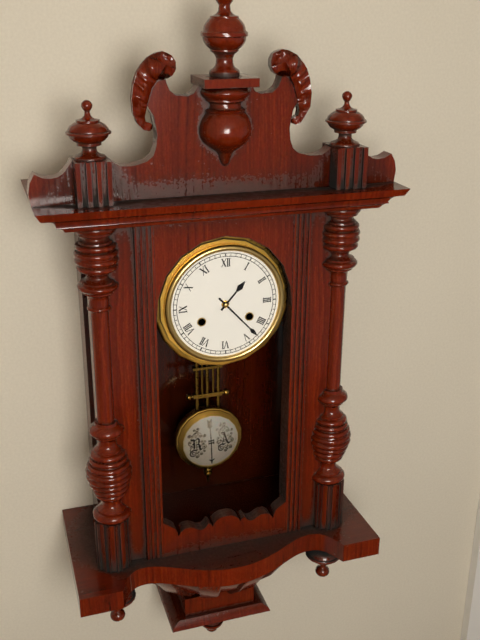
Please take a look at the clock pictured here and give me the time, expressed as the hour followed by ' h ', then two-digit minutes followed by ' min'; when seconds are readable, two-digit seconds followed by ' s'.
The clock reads 1 h 23 min
